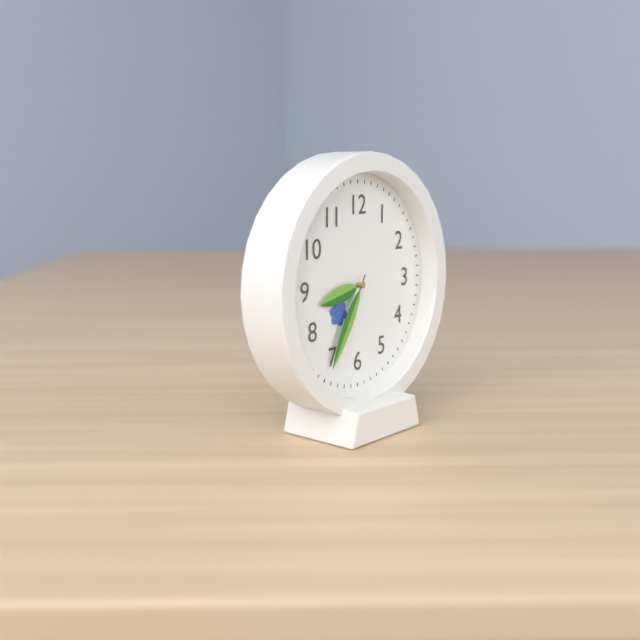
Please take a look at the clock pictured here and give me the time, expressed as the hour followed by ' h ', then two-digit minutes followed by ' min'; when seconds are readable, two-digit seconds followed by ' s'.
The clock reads 8 h 35 min
